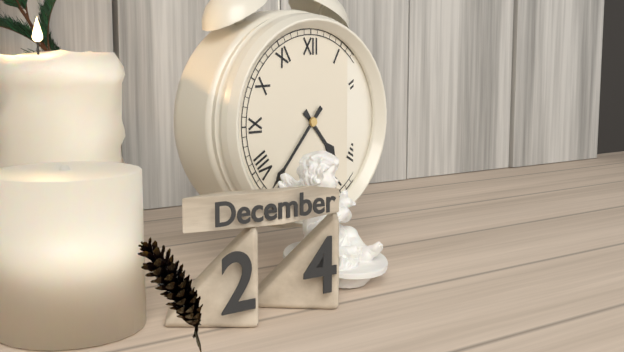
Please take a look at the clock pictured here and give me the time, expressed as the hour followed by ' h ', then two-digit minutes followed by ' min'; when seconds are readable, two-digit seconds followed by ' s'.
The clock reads 4 h 37 min
